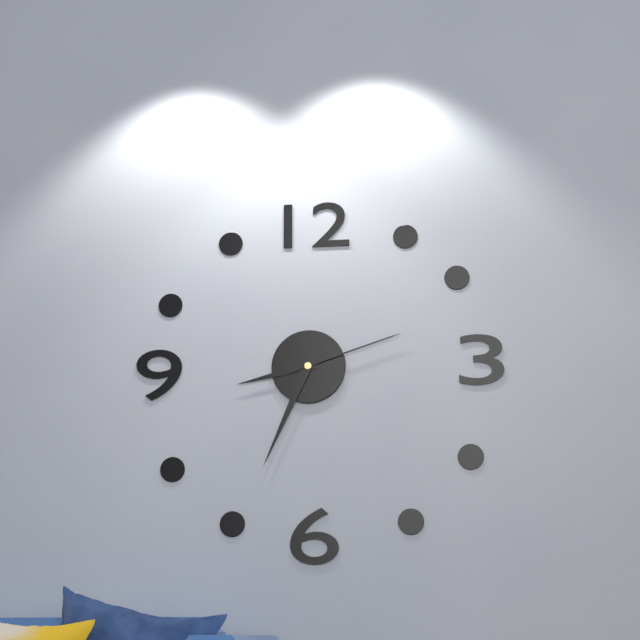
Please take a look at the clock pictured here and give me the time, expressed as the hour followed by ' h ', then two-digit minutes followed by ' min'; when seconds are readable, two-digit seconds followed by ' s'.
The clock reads 8 h 34 min 12 s
